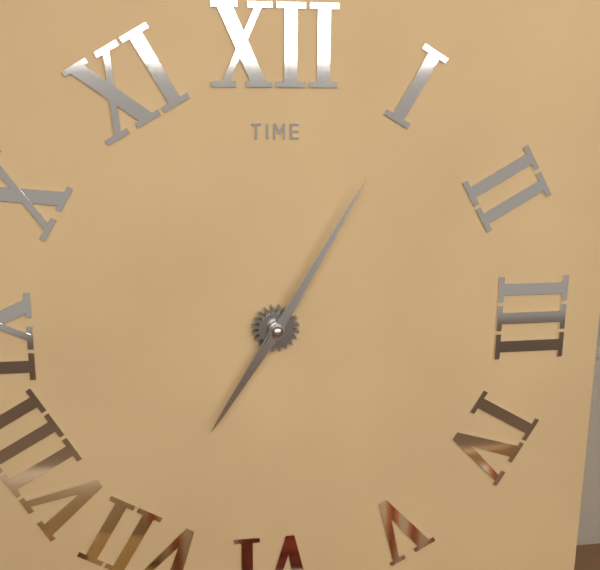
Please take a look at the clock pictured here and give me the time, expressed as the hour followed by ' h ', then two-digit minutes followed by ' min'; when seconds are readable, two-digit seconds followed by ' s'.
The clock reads 7 h 05 min
